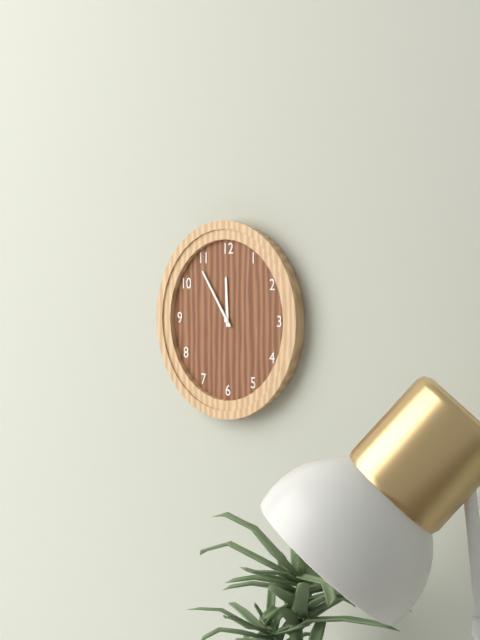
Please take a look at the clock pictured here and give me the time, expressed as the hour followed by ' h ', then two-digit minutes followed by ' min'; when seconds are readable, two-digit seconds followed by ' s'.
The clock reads 11 h 54 min
